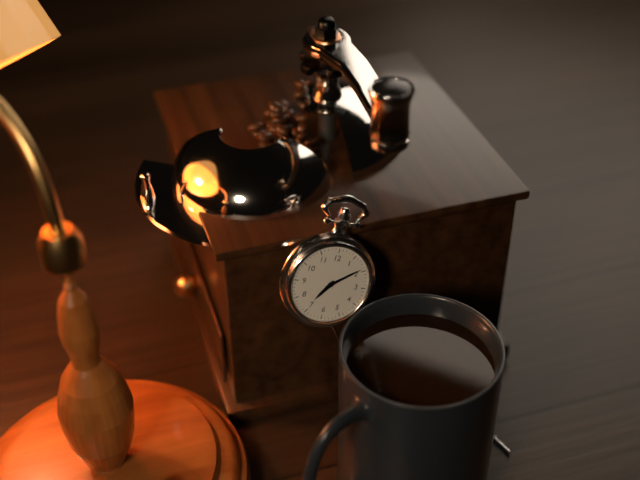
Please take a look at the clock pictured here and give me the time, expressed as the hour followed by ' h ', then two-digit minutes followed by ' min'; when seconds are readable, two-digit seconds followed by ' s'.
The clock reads 7 h 09 min
